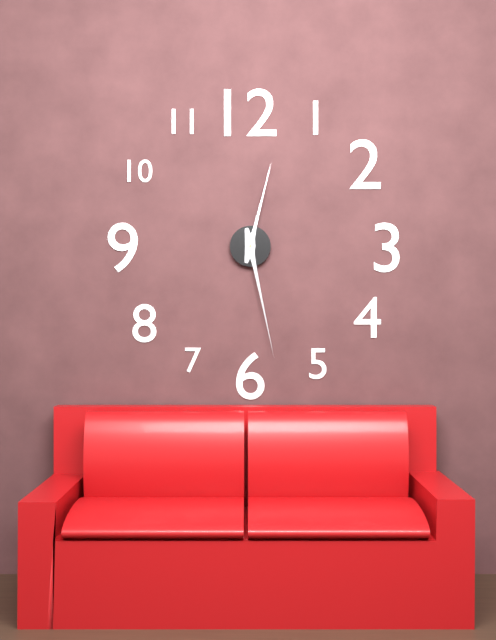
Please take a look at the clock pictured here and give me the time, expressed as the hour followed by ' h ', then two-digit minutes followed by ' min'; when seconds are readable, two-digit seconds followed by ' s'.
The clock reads 12 h 28 min
